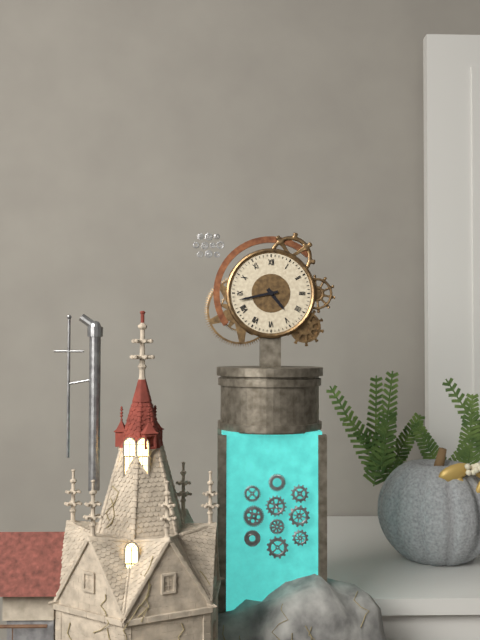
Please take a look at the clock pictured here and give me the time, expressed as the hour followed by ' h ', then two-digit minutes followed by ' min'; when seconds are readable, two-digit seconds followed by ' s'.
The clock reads 4 h 43 min
